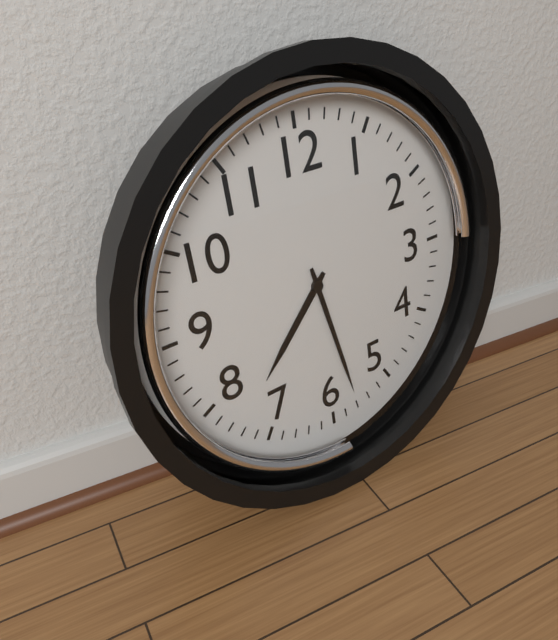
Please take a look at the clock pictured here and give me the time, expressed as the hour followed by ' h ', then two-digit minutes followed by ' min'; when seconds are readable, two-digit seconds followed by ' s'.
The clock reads 7 h 28 min
